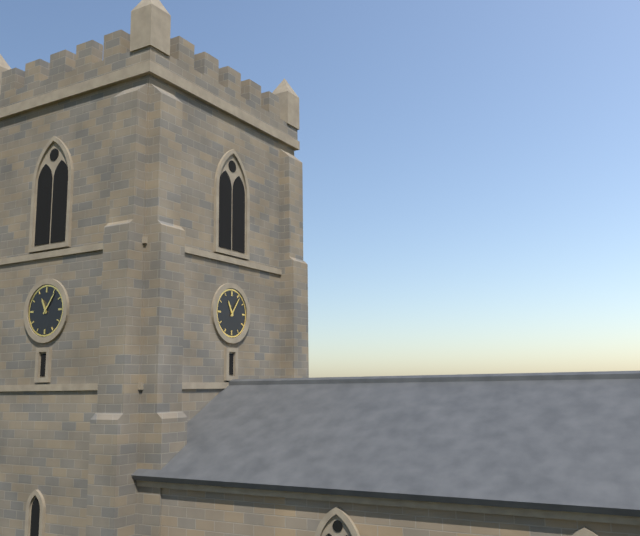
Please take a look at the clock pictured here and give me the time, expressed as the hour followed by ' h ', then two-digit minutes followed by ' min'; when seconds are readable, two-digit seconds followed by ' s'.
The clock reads 11 h 06 min
